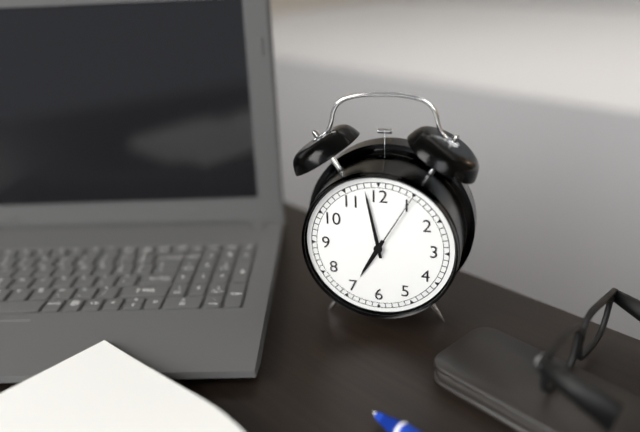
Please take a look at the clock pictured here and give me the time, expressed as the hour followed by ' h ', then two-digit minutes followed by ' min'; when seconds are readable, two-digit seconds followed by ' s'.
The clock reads 6 h 58 min 05 s
